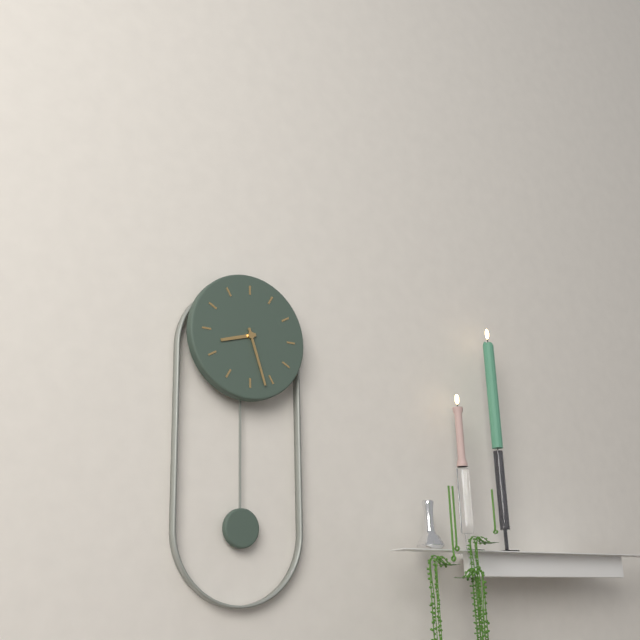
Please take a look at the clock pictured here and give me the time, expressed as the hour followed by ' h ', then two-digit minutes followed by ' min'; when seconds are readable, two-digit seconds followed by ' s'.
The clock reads 8 h 27 min
